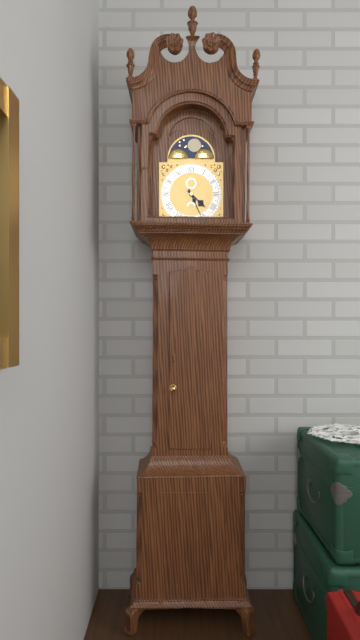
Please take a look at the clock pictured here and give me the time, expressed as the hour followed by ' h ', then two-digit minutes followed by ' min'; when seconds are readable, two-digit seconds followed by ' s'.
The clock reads 4 h 26 min
